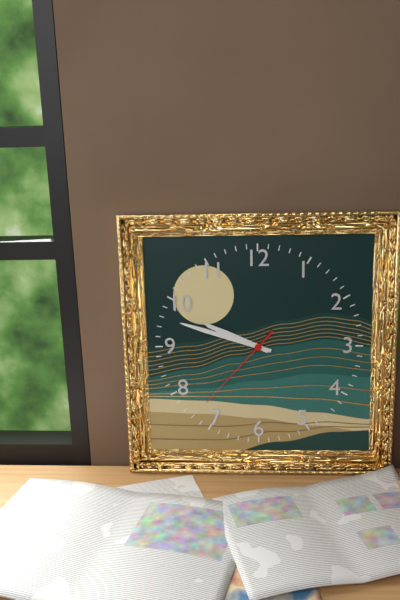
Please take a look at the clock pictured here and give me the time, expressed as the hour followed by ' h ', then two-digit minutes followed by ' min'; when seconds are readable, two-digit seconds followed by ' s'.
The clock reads 9 h 48 min 37 s
